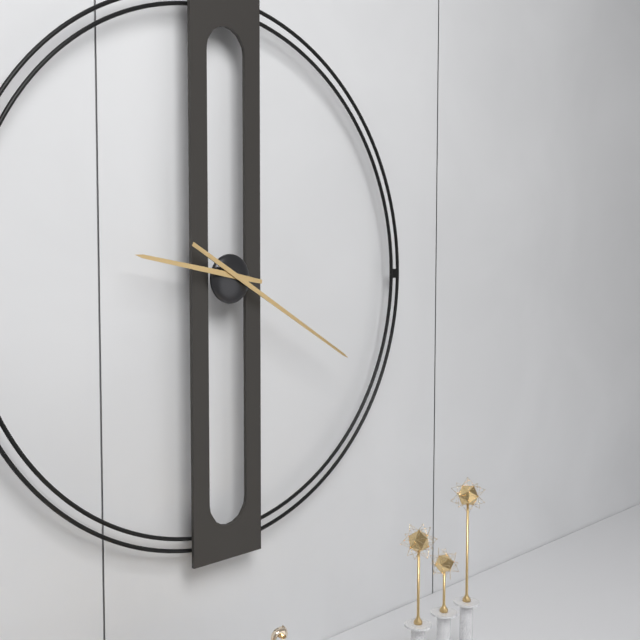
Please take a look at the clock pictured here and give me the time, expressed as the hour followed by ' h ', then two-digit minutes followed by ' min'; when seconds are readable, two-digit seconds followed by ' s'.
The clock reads 9 h 20 min
